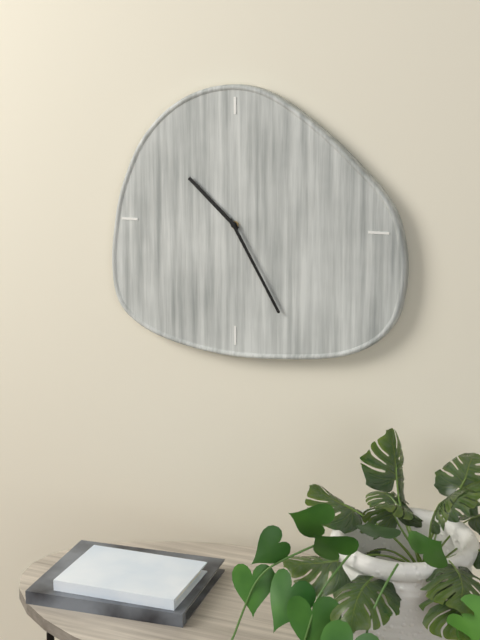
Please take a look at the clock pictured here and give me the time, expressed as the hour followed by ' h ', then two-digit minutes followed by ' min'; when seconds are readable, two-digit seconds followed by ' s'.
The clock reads 10 h 25 min
